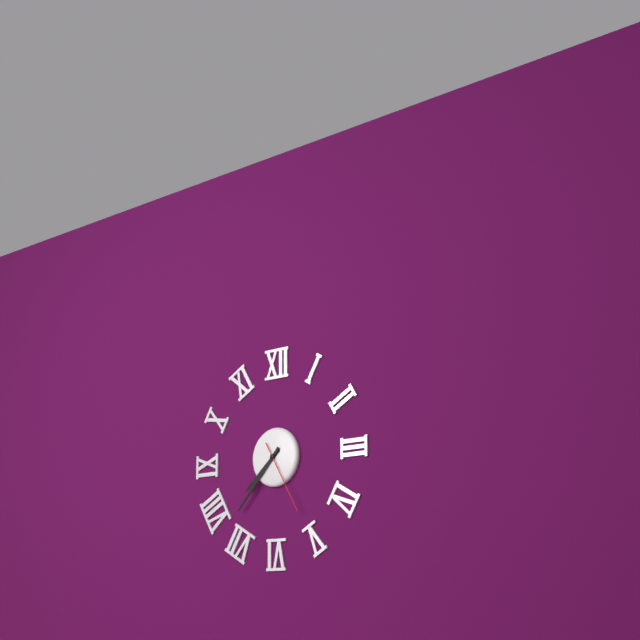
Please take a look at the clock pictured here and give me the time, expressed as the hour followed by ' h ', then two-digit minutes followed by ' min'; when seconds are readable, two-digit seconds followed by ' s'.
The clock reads 7 h 37 min 25 s
